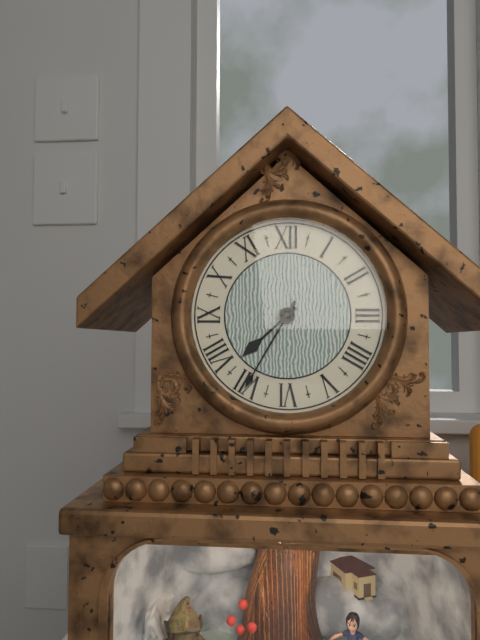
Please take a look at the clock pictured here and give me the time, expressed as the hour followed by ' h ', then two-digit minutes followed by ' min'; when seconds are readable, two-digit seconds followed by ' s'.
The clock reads 7 h 35 min
